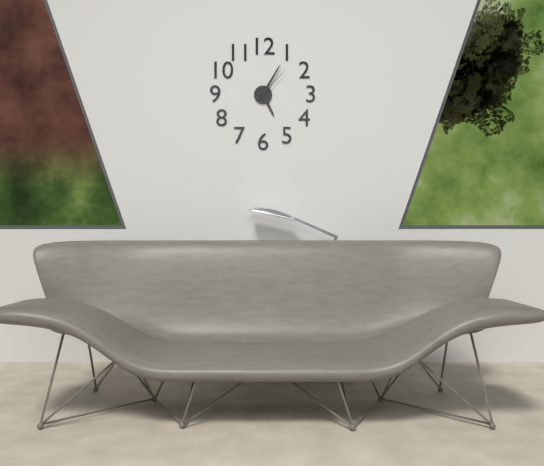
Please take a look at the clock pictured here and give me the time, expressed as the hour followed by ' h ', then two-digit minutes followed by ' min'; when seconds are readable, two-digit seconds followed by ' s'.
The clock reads 5 h 05 min
